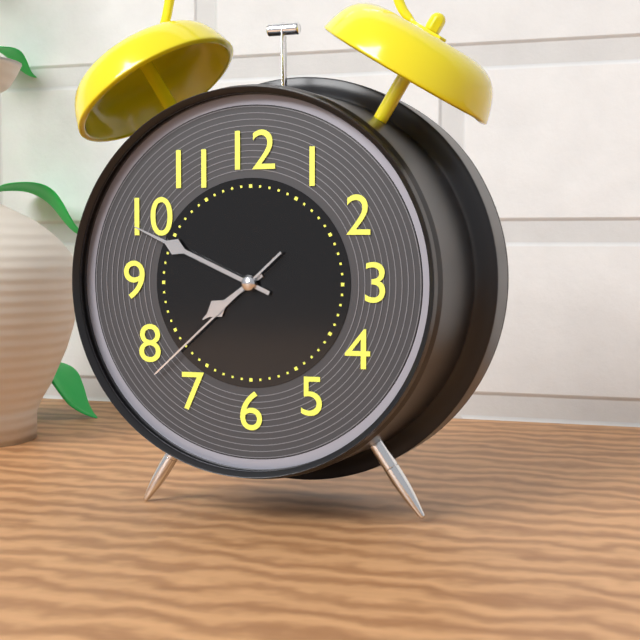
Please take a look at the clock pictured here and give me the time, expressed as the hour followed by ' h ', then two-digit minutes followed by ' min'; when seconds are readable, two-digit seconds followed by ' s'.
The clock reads 7 h 49 min 38 s
